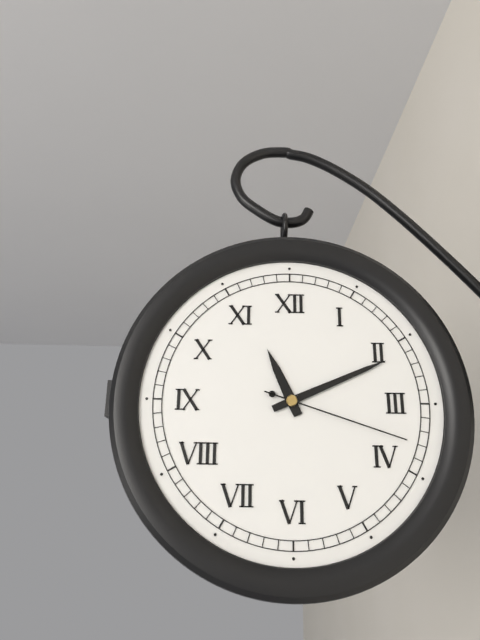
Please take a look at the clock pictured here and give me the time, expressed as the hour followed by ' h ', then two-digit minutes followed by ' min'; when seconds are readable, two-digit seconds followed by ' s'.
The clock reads 11 h 11 min 18 s
